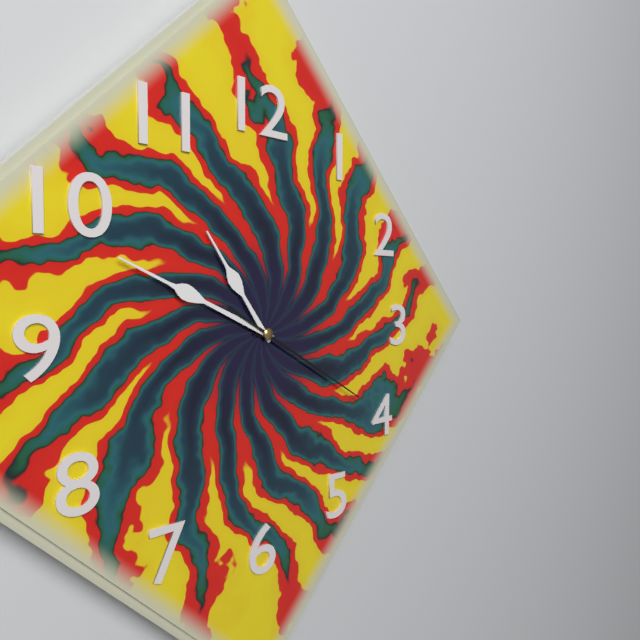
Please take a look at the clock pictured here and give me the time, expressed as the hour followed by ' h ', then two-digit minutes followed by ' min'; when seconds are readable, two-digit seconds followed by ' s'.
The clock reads 10 h 49 min 20 s
